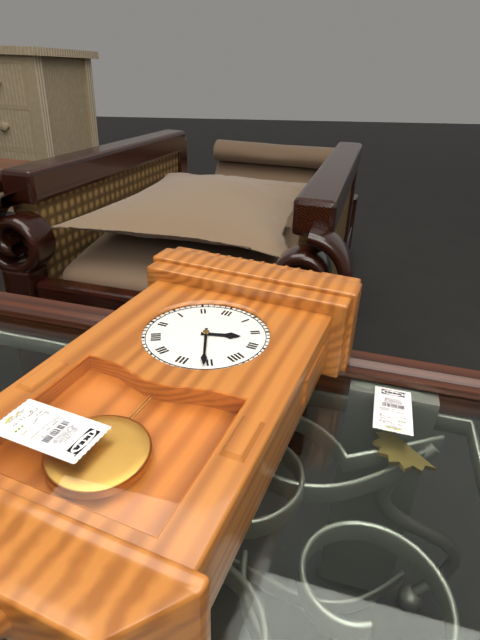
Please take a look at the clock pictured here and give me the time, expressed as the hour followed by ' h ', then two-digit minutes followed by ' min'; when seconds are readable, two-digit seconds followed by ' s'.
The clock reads 2 h 26 min
